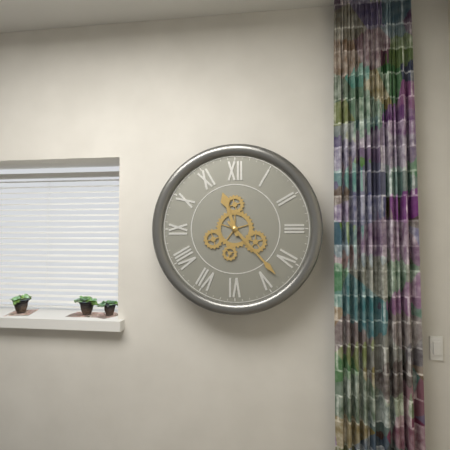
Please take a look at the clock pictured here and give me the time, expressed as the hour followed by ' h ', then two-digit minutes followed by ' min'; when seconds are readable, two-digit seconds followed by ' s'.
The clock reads 11 h 23 min
